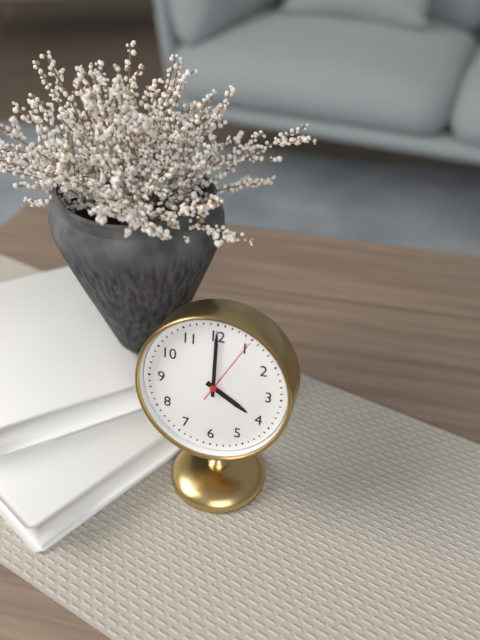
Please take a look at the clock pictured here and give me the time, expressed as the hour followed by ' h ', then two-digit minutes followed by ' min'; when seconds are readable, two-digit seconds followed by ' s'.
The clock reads 4 h 00 min 05 s
